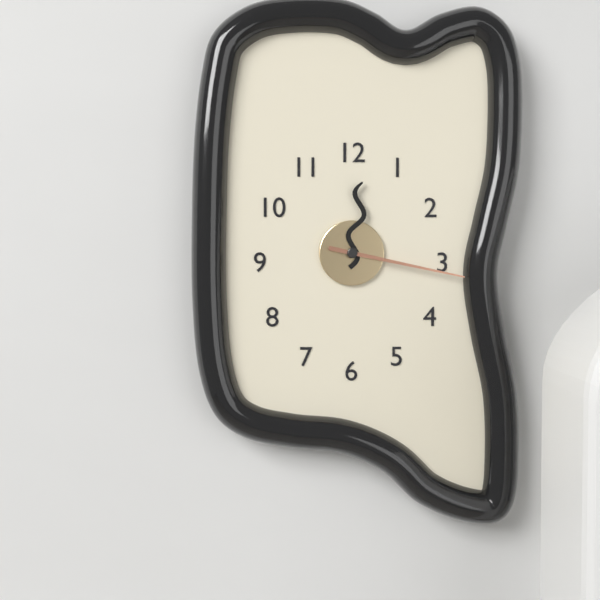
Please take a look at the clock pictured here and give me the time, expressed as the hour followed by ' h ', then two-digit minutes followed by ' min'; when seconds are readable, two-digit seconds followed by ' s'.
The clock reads 12 h 17 min
